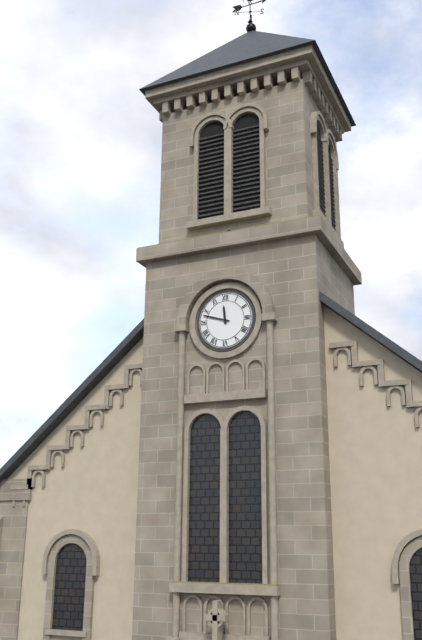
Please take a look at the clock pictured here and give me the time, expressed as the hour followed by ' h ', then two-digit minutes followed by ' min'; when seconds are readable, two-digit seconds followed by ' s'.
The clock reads 11 h 48 min
